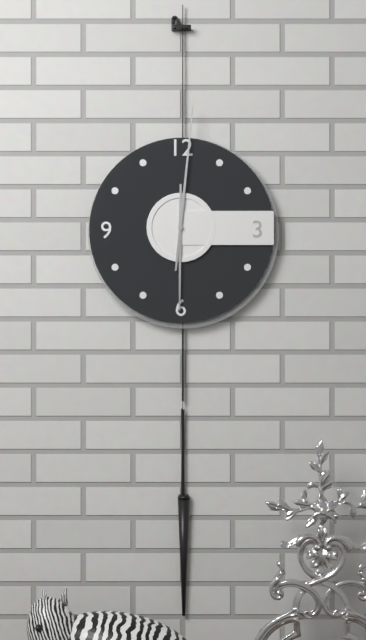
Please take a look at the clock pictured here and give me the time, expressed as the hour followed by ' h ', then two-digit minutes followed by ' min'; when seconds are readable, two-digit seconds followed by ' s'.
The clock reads 6 h 01 min
